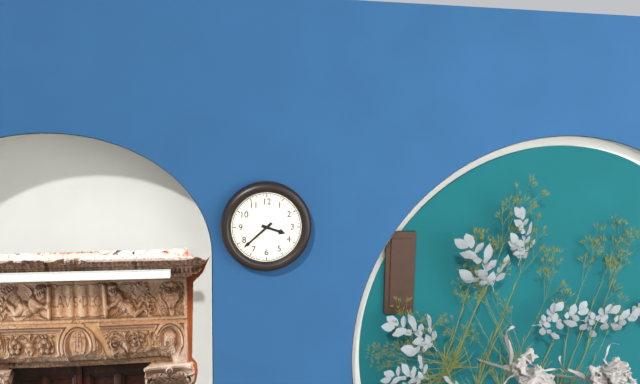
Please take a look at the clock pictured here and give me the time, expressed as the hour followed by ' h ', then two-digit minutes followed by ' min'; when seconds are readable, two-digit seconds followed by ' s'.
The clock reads 3 h 38 min
